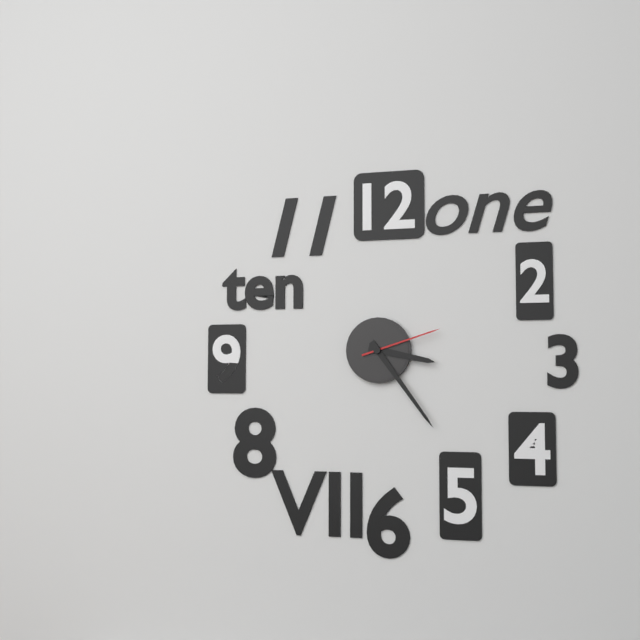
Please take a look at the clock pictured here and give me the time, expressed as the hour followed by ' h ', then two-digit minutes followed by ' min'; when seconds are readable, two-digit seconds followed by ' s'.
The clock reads 3 h 24 min 12 s
